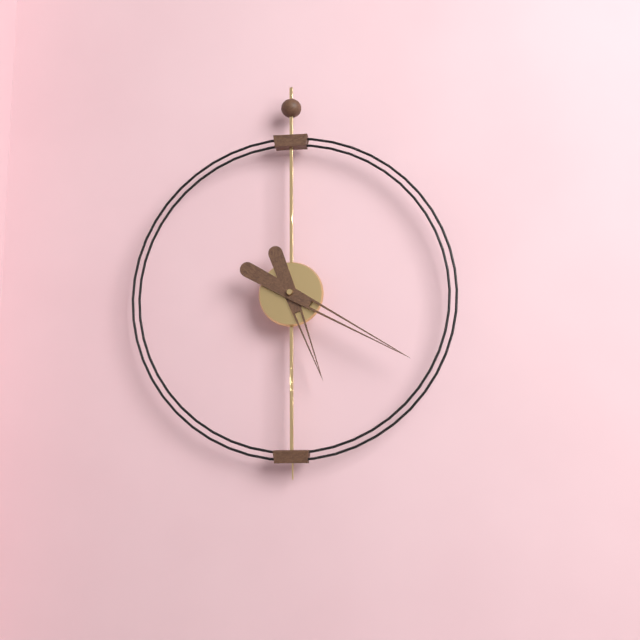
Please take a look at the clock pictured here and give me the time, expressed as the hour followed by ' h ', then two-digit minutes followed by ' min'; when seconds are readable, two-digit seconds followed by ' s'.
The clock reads 5 h 20 min
